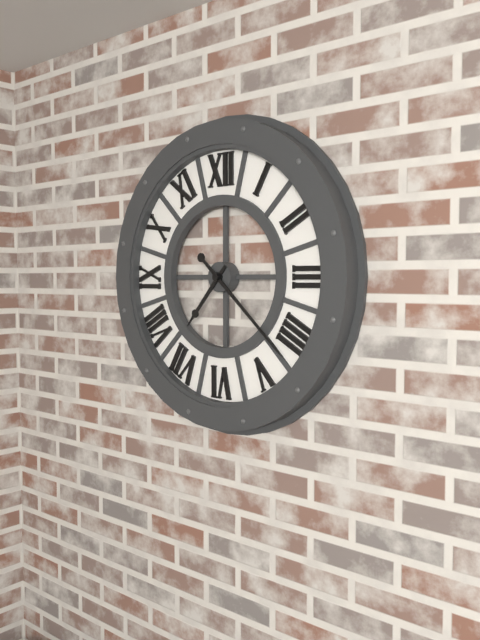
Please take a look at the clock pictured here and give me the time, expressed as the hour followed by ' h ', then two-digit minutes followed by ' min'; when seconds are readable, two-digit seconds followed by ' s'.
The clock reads 7 h 22 min
